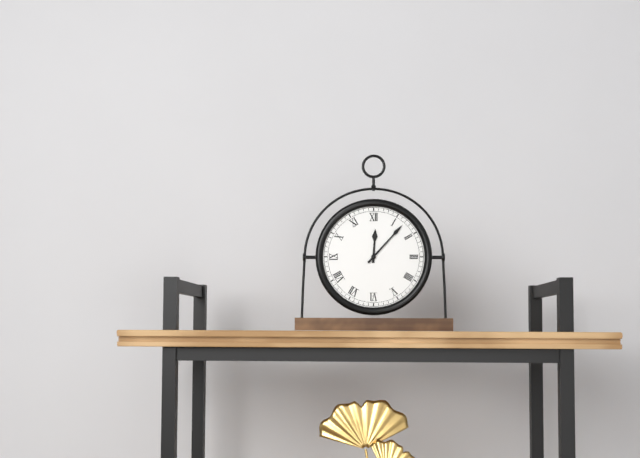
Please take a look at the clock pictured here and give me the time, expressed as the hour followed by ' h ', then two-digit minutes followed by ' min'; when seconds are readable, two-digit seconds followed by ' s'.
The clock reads 12 h 07 min
